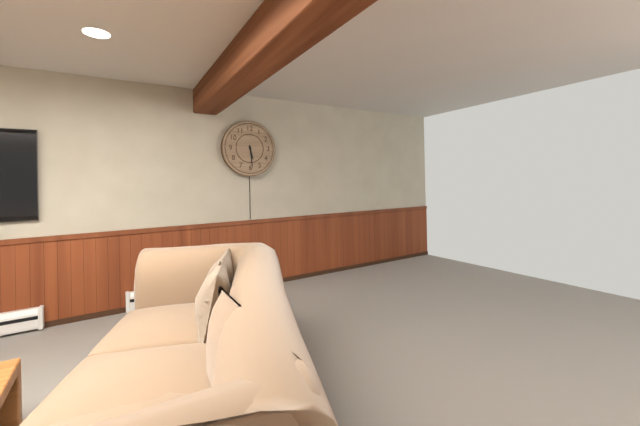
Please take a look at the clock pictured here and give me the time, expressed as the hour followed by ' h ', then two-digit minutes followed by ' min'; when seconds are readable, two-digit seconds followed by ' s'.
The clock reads 5 h 29 min
